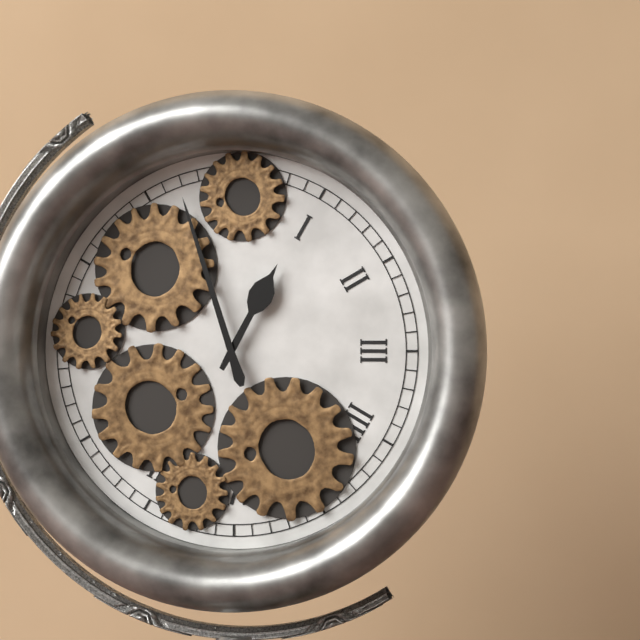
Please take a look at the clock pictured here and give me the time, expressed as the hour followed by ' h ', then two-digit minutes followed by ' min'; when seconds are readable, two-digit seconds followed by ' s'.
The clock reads 12 h 57 min
